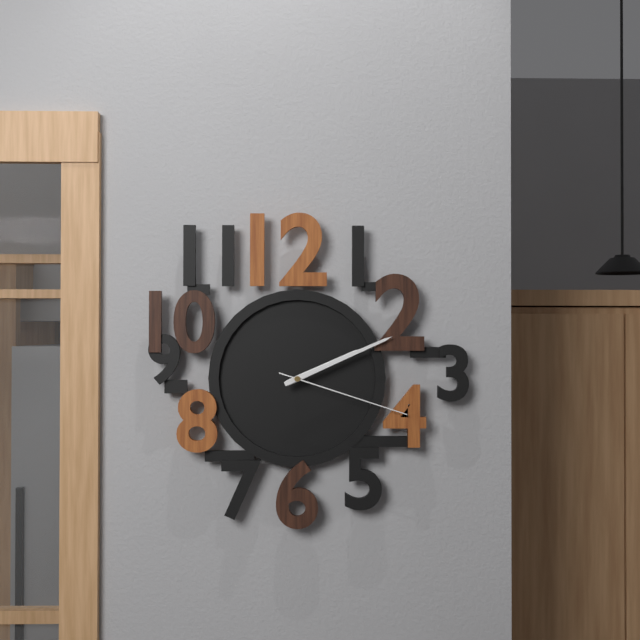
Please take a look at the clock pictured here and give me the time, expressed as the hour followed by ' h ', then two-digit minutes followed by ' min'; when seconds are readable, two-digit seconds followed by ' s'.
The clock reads 2 h 11 min 18 s
